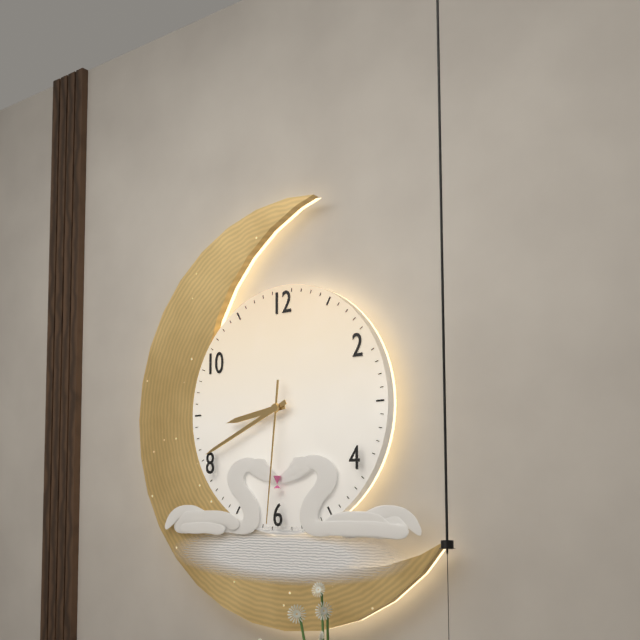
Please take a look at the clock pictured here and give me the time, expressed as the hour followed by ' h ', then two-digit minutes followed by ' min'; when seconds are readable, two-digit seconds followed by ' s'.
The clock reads 8 h 41 min 31 s
